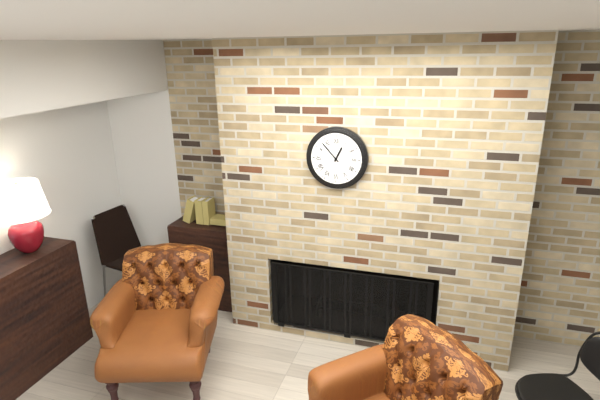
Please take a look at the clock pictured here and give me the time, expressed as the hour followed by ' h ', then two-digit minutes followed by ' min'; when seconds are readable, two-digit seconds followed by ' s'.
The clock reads 12 h 53 min
